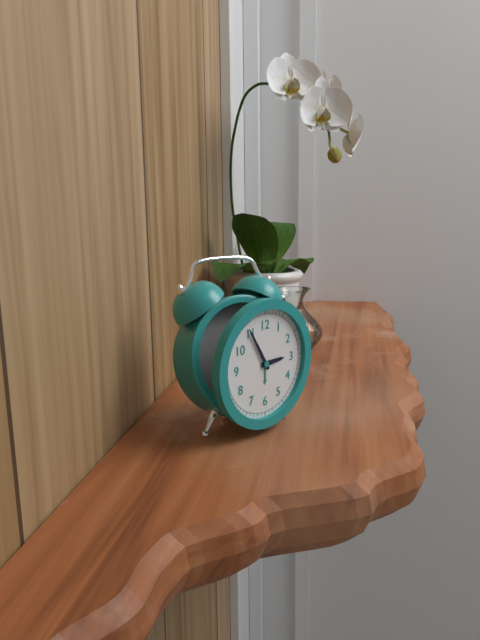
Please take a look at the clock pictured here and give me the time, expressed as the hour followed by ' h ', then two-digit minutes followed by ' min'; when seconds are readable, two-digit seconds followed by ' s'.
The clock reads 2 h 55 min
